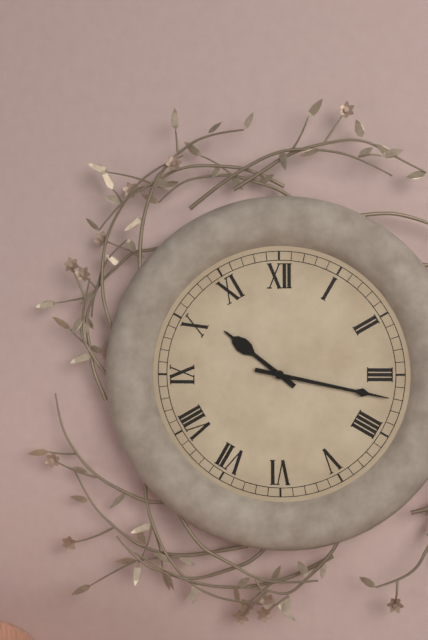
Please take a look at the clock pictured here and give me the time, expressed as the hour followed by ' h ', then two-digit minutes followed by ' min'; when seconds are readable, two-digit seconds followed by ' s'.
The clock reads 10 h 17 min
